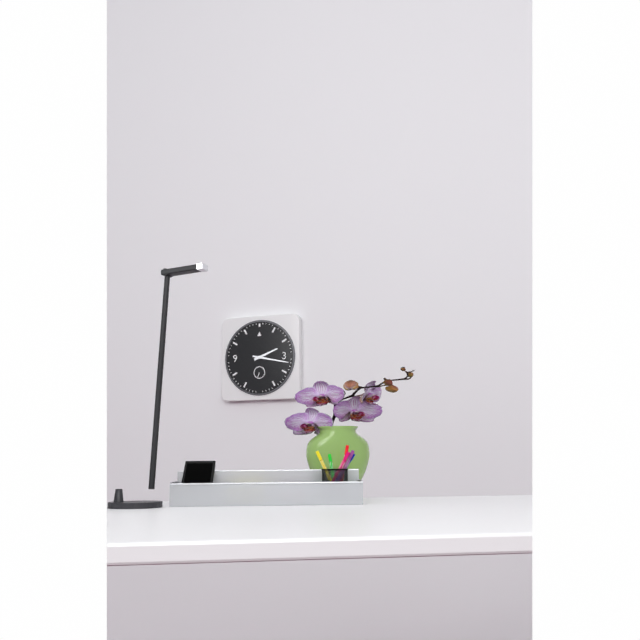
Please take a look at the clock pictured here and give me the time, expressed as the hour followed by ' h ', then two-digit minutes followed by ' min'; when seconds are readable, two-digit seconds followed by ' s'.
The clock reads 2 h 17 min
